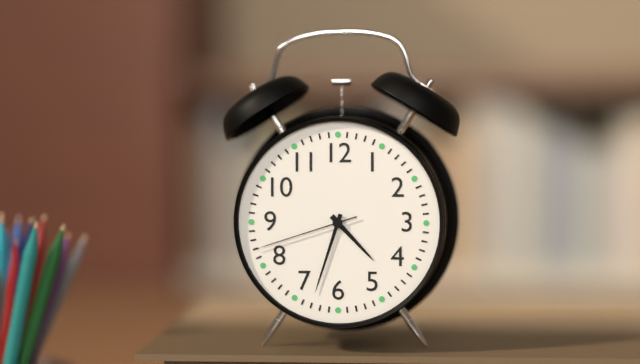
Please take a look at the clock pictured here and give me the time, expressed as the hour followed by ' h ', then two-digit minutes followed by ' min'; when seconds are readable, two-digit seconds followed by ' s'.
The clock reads 4 h 33 min 42 s
